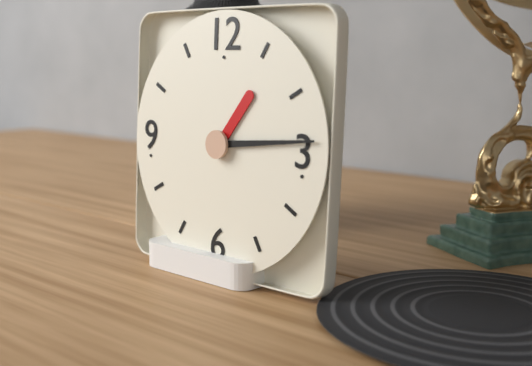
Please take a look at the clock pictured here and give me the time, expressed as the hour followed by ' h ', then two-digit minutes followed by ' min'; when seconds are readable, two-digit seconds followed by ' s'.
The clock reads 1 h 14 min
